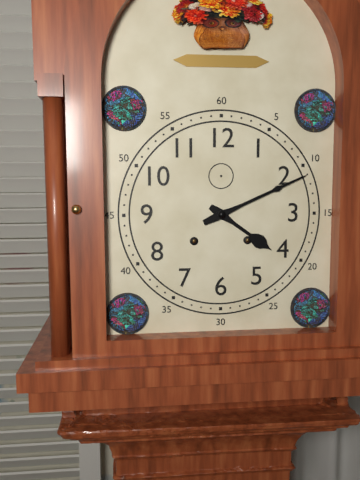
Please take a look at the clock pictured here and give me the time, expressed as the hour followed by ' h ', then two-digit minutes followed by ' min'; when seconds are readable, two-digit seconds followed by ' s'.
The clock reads 4 h 11 min
